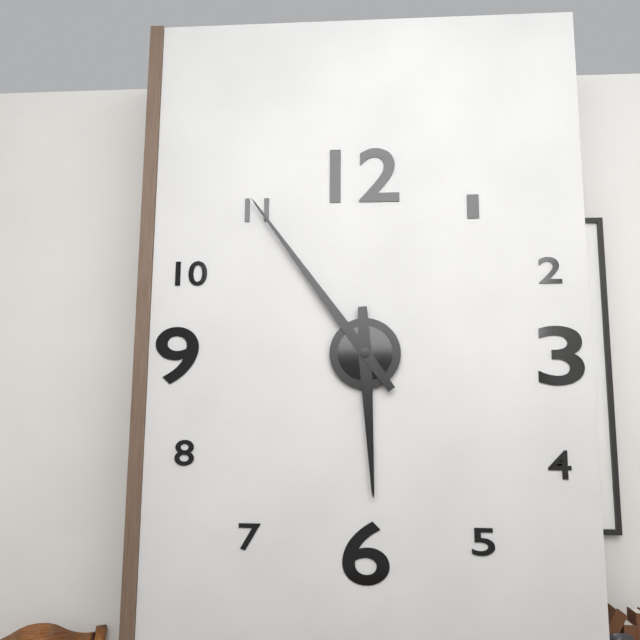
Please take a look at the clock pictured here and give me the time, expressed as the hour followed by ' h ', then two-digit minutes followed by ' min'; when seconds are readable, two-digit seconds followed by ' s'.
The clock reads 5 h 54 min
